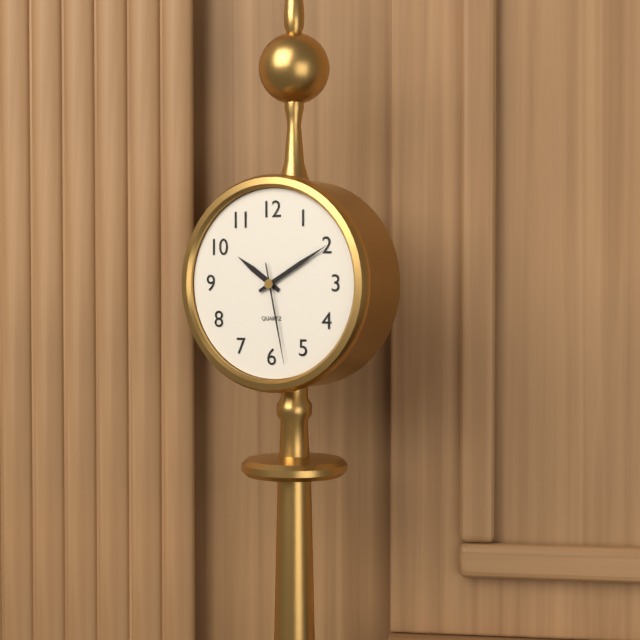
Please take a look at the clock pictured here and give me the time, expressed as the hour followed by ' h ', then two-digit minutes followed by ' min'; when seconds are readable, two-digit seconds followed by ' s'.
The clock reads 10 h 10 min 28 s
